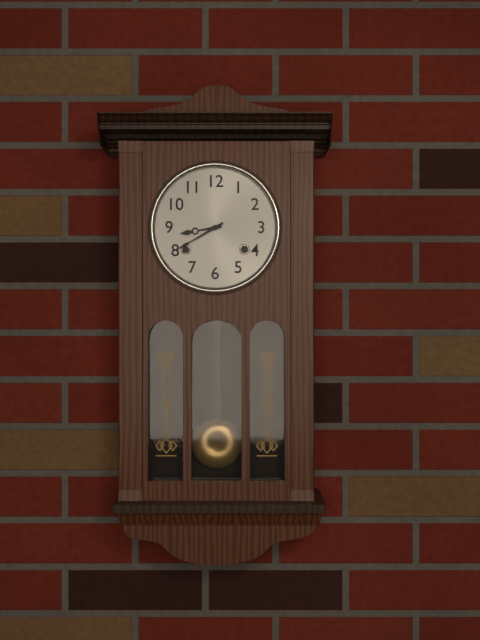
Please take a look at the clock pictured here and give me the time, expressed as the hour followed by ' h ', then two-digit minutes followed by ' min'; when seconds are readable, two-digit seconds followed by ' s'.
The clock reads 8 h 40 min
